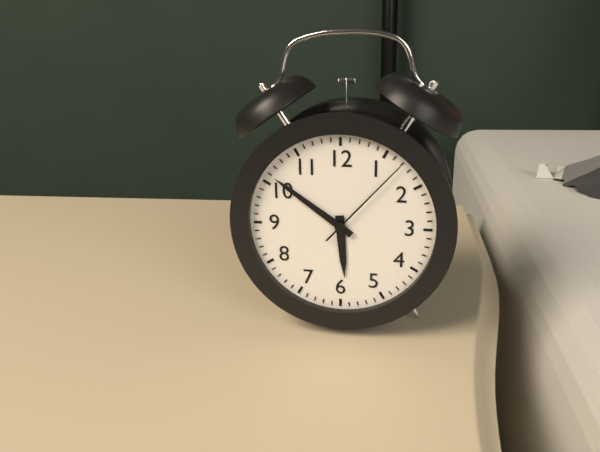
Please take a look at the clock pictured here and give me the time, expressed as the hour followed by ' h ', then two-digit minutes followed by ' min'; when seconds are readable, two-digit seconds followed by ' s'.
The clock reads 5 h 51 min 07 s
